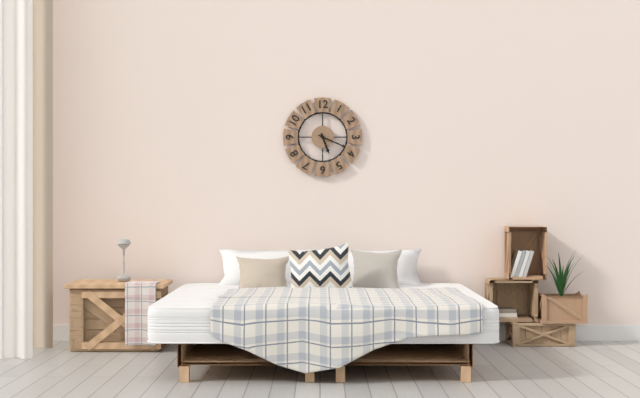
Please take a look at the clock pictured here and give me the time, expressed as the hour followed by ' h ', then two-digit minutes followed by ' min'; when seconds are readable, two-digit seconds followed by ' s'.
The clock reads 5 h 19 min
